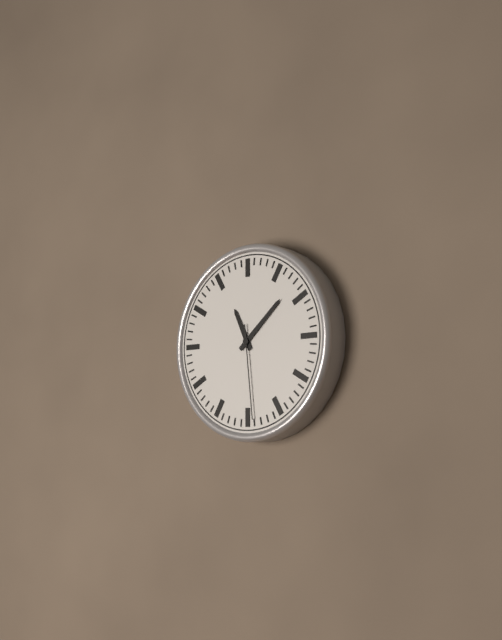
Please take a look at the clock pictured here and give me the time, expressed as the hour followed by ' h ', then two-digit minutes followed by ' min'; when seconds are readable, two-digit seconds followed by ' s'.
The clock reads 11 h 08 min 29 s
